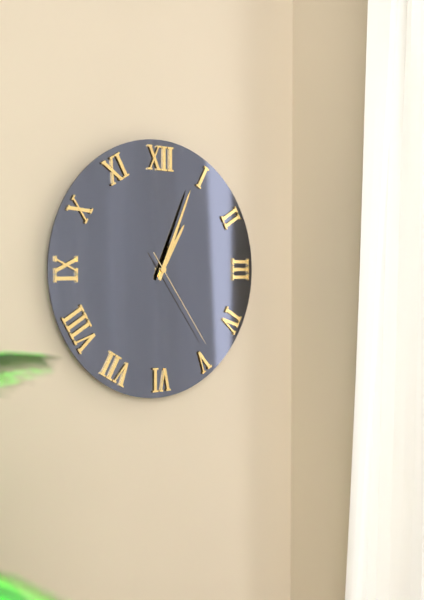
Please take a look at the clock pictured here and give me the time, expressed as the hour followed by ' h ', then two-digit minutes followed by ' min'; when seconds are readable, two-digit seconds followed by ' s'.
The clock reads 1 h 04 min 24 s
